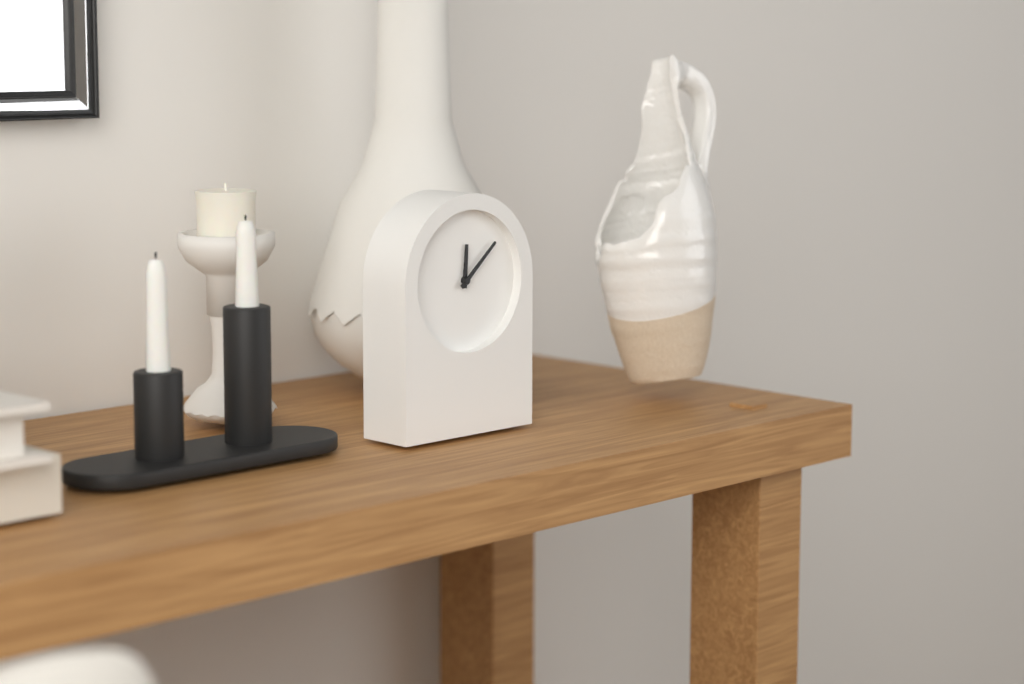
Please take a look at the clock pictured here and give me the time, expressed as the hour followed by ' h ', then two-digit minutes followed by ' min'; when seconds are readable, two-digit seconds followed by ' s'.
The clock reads 12 h 08 min
